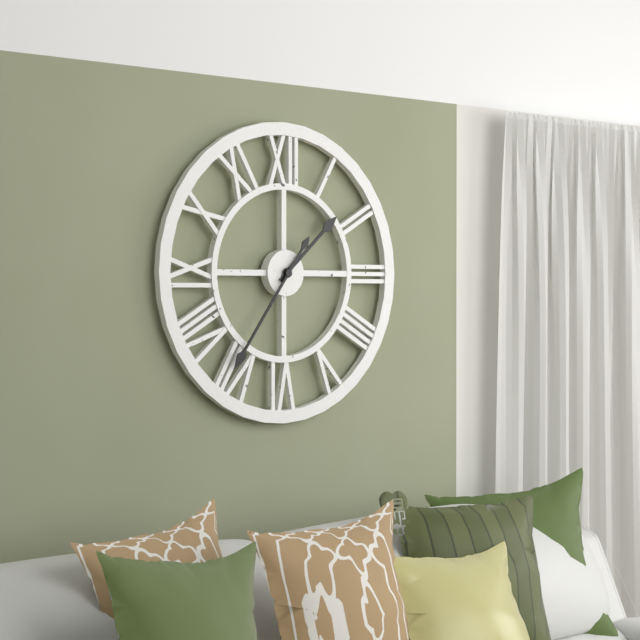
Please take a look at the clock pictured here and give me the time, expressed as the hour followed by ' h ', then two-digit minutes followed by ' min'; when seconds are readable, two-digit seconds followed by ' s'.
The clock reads 1 h 36 min
